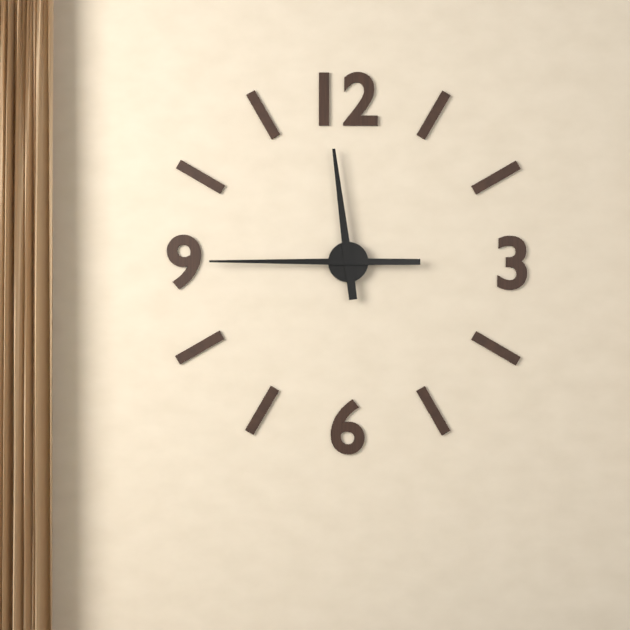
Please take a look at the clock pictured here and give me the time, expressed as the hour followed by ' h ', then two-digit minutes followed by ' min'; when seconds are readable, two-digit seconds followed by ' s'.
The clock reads 11 h 45 min
